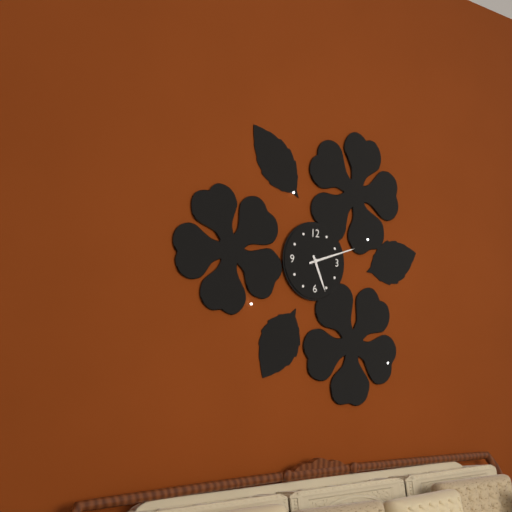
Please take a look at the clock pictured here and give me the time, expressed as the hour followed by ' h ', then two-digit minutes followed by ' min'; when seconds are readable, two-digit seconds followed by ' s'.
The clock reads 5 h 12 min
